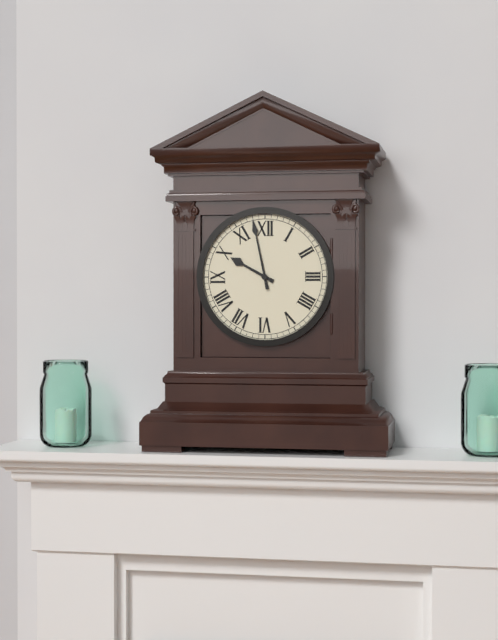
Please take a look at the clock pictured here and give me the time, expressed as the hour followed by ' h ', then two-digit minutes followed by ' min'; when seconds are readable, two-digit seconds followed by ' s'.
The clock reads 9 h 58 min
